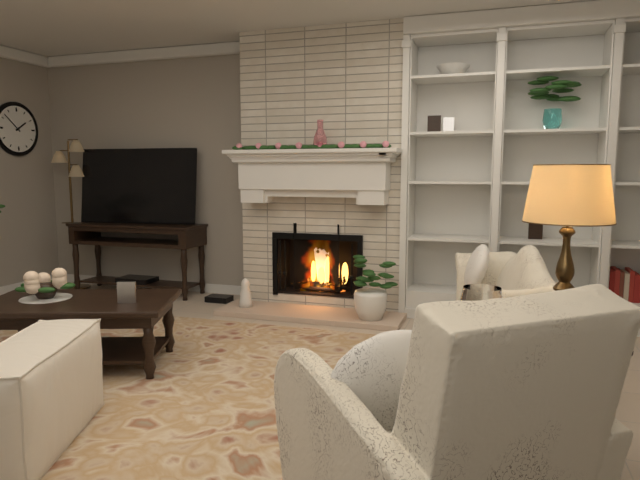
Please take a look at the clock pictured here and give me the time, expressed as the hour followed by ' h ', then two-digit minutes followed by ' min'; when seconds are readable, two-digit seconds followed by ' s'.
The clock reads 1 h 52 min
